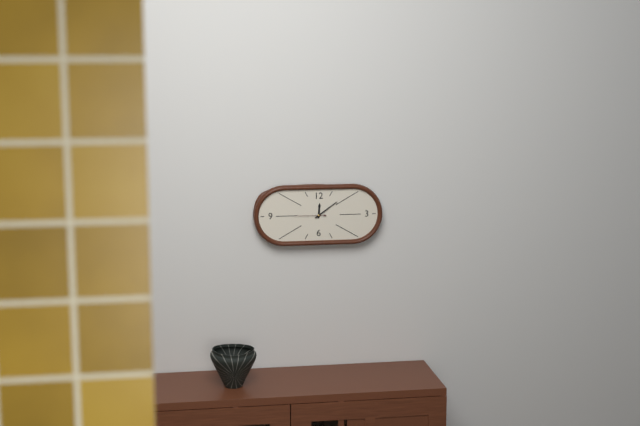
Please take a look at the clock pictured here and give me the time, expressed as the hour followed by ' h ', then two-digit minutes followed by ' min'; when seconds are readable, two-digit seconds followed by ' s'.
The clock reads 12 h 09 min
